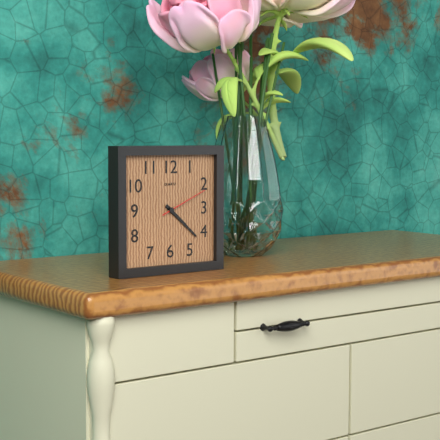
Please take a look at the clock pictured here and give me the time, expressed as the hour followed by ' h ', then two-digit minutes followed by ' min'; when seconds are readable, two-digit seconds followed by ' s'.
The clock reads 4 h 22 min
